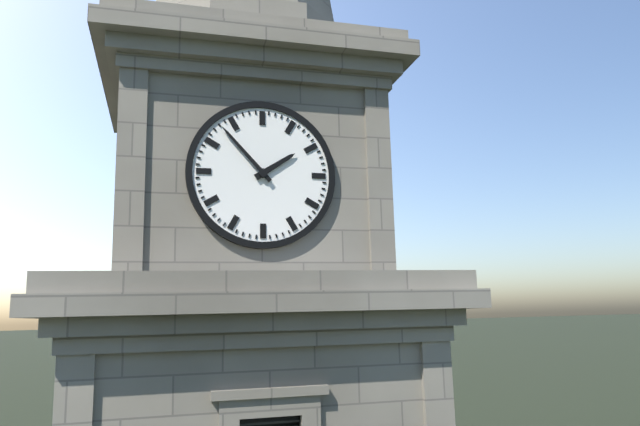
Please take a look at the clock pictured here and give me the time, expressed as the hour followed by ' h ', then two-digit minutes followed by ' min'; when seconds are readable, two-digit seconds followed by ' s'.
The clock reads 1 h 53 min
